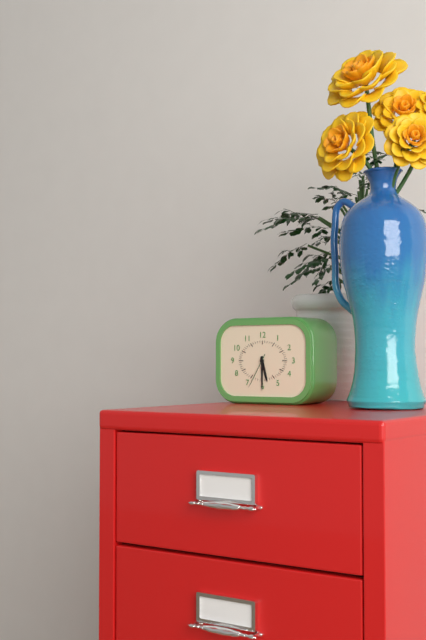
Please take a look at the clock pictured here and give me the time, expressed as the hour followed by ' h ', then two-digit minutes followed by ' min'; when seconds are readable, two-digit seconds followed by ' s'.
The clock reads 5 h 30 min
